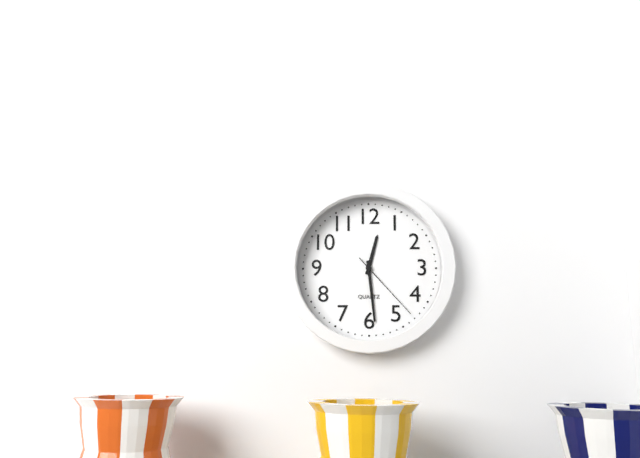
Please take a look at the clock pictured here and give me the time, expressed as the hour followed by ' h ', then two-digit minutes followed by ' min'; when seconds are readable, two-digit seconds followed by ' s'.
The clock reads 12 h 29 min 23 s
